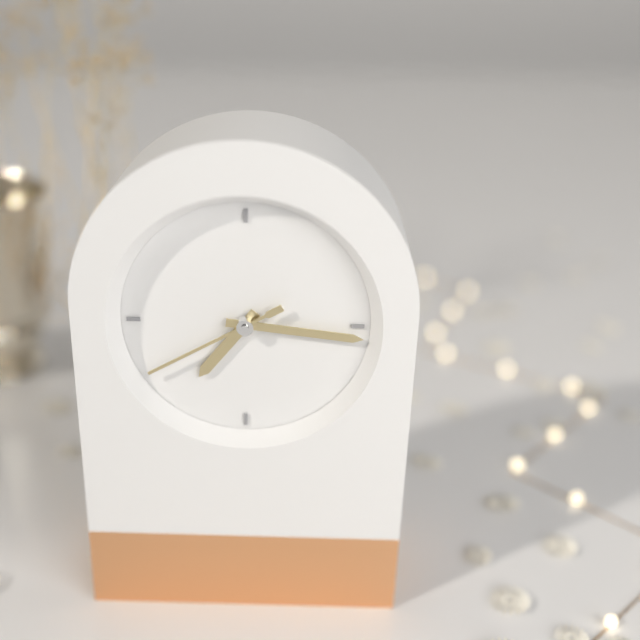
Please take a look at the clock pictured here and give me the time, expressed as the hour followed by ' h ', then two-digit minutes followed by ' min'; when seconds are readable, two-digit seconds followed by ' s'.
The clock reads 7 h 16 min 40 s
